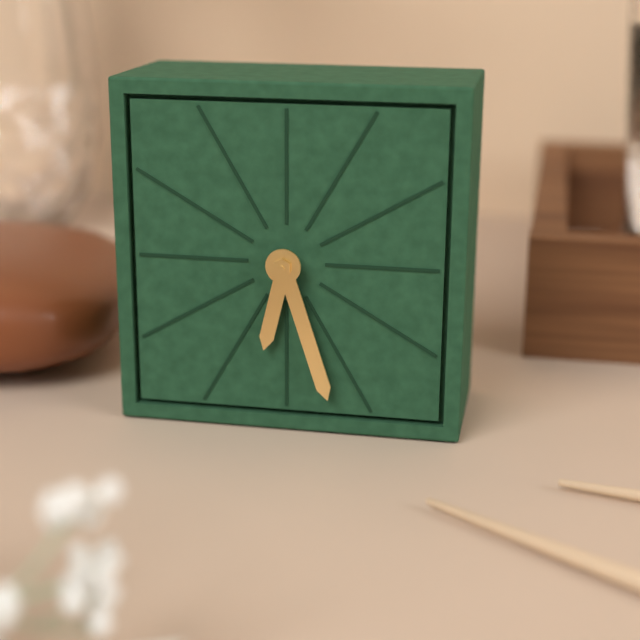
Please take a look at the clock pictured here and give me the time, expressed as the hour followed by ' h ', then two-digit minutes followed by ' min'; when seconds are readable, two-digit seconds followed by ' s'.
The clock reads 6 h 27 min
